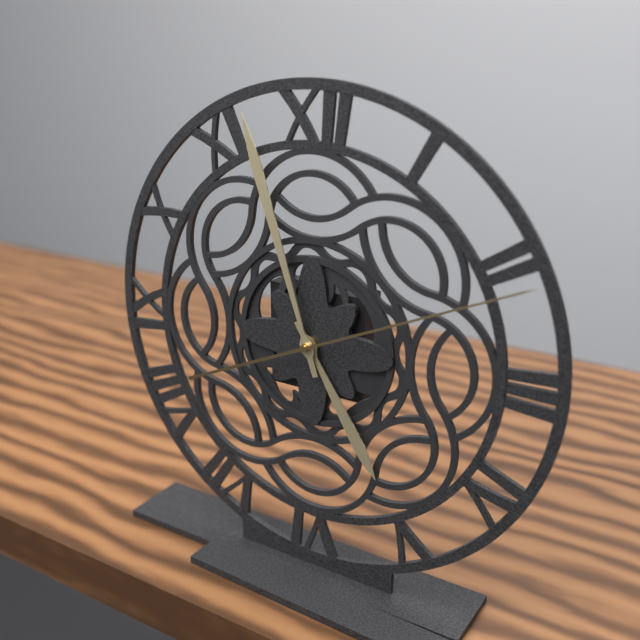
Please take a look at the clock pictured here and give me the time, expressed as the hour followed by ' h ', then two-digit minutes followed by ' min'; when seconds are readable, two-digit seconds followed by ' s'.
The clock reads 4 h 57 min 11 s
